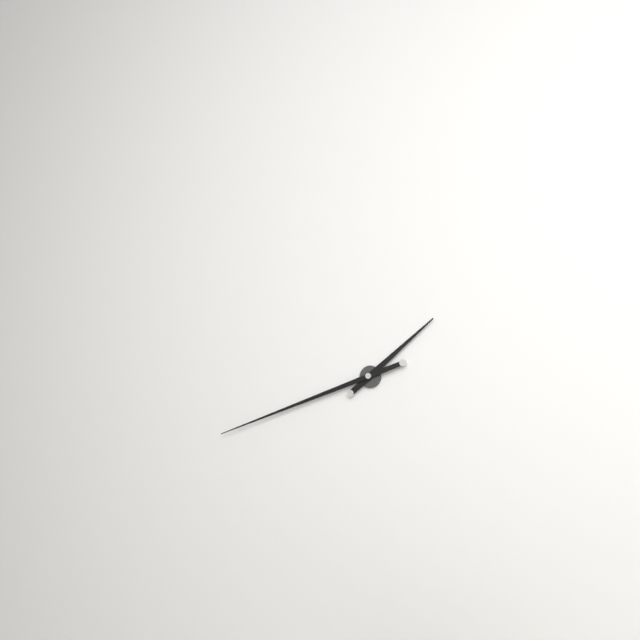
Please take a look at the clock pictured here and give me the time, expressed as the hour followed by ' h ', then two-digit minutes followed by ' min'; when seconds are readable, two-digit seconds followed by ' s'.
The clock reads 1 h 42 min
